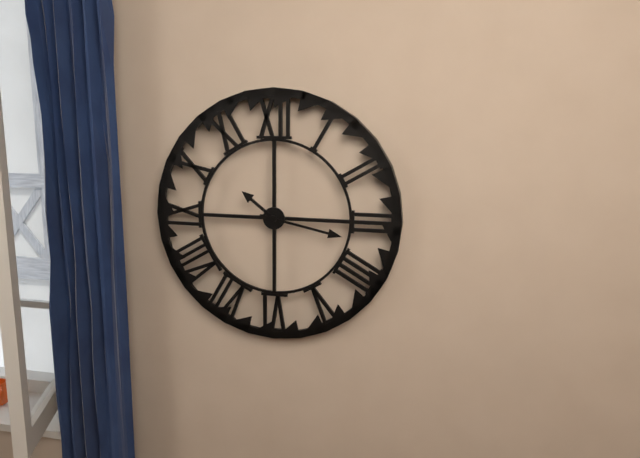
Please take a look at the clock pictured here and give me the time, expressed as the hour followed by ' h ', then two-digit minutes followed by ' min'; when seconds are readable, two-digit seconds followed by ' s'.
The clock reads 10 h 17 min
